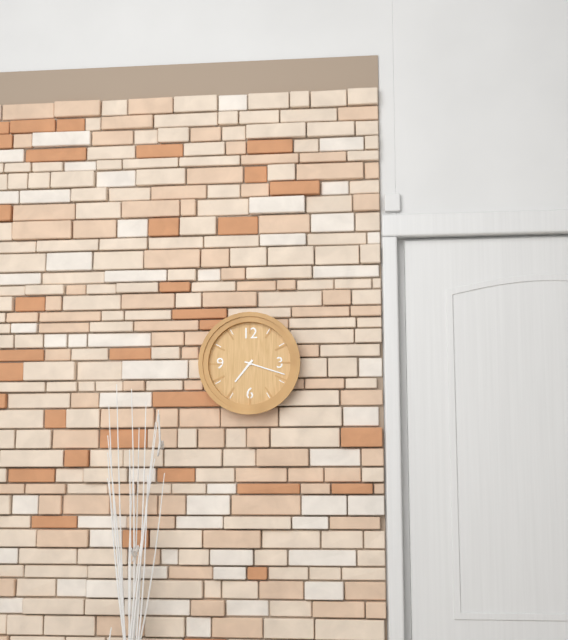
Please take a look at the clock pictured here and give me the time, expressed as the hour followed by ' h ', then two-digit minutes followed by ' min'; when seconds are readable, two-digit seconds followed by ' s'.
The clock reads 7 h 18 min
